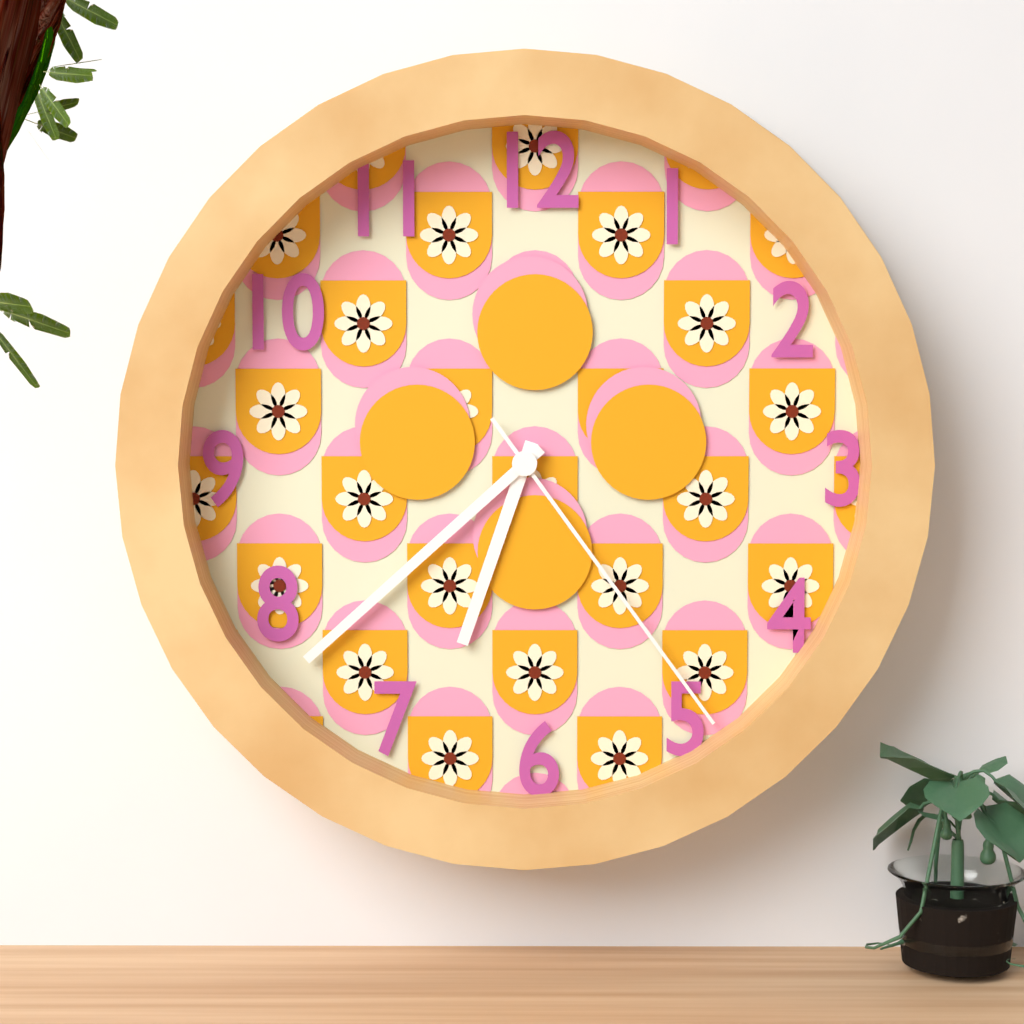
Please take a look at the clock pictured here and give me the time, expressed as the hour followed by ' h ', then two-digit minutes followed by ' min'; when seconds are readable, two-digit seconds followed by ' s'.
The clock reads 6 h 38 min 24 s
